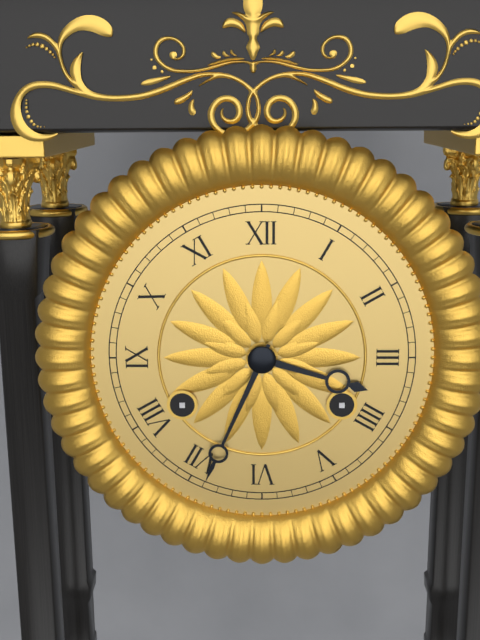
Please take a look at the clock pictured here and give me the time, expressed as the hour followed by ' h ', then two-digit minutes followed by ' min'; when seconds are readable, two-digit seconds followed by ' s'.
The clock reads 3 h 34 min
